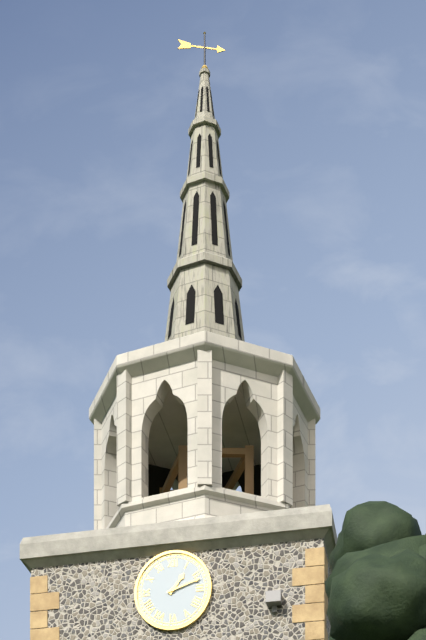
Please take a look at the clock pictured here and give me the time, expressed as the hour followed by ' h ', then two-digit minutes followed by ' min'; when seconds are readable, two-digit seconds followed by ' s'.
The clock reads 1 h 12 min
